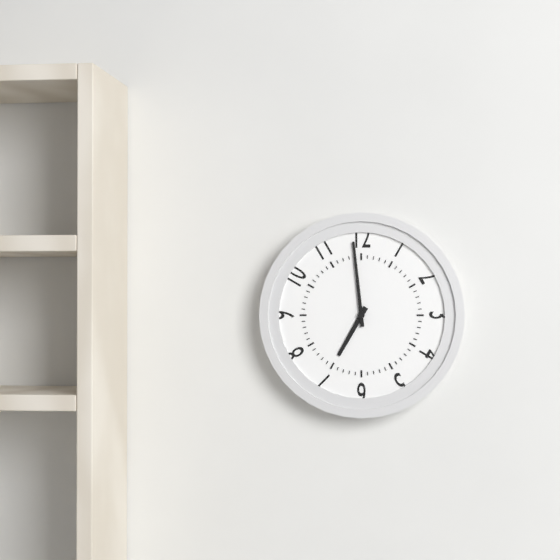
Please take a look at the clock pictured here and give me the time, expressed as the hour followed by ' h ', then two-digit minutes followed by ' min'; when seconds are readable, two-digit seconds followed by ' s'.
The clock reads 6 h 59 min
